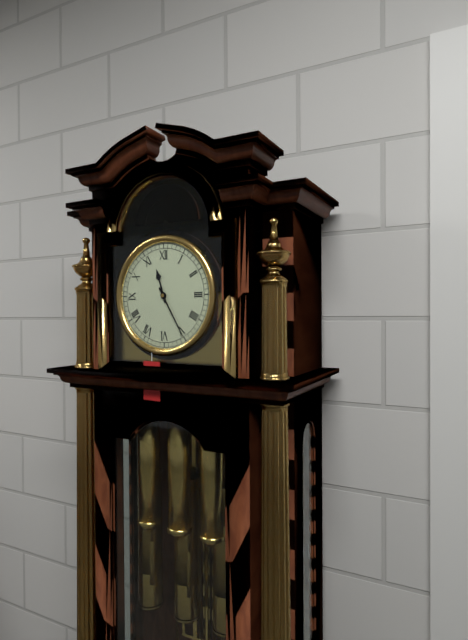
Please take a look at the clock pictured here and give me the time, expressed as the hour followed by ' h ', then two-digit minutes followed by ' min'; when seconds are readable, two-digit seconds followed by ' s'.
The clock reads 11 h 25 min
